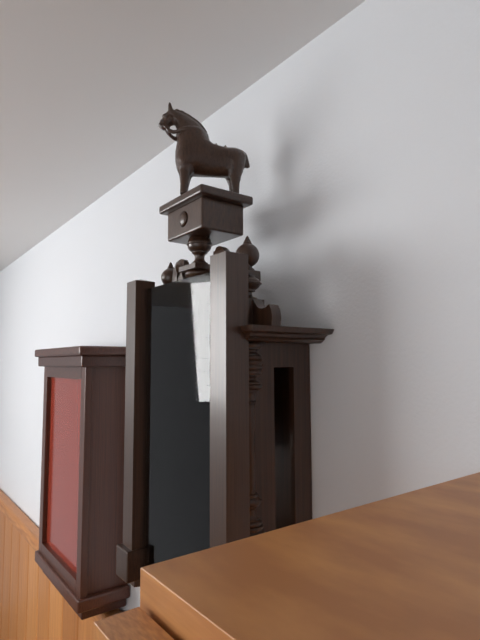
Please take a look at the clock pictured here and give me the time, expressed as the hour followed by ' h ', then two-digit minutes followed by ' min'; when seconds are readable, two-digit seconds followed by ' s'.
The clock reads 10 h 08 min
